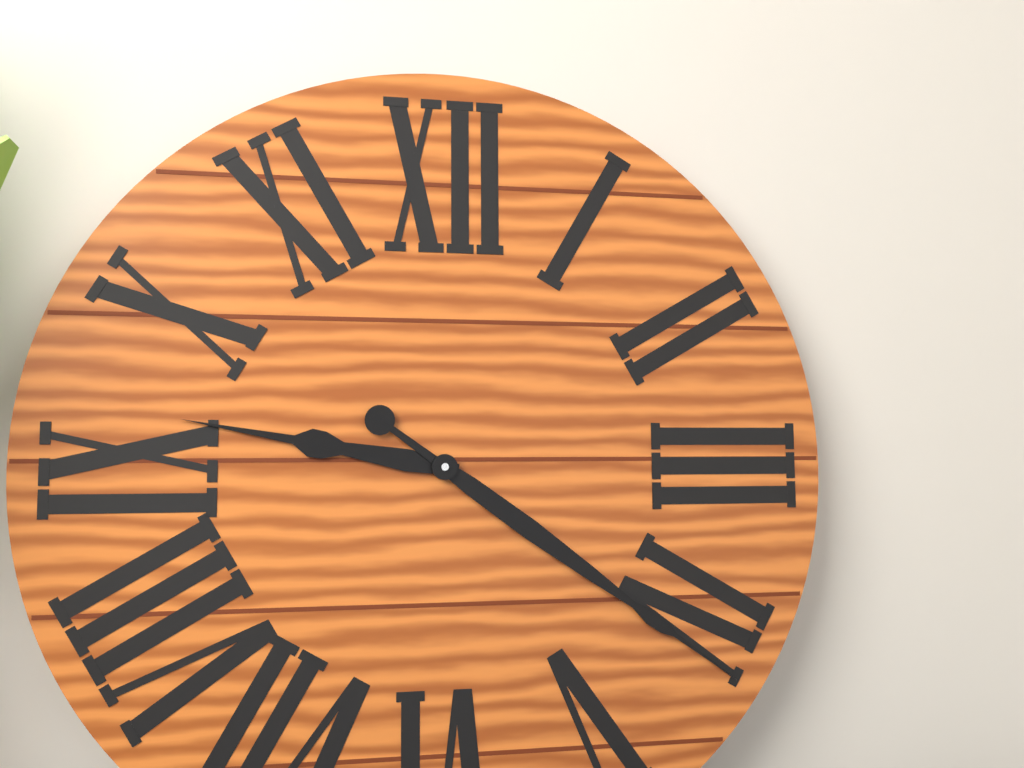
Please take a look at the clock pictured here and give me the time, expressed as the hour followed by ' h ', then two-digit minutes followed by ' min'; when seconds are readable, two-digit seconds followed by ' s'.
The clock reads 9 h 21 min
